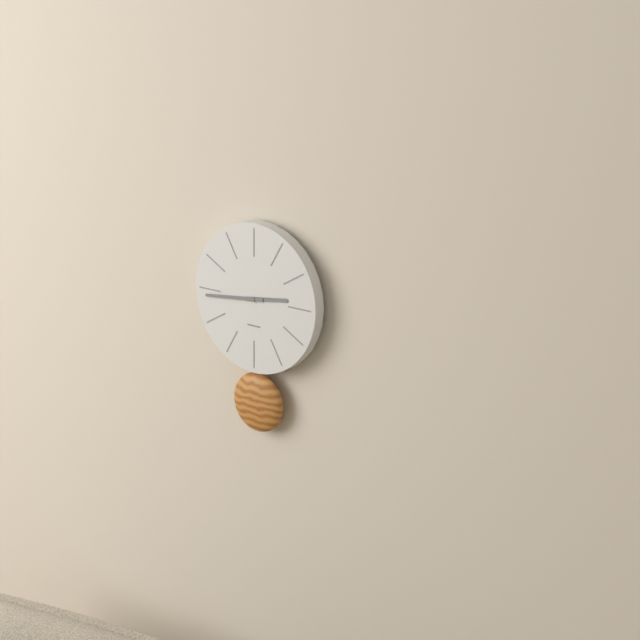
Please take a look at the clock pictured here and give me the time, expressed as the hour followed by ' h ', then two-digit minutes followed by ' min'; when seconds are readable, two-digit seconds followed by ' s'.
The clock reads 2 h 44 min
